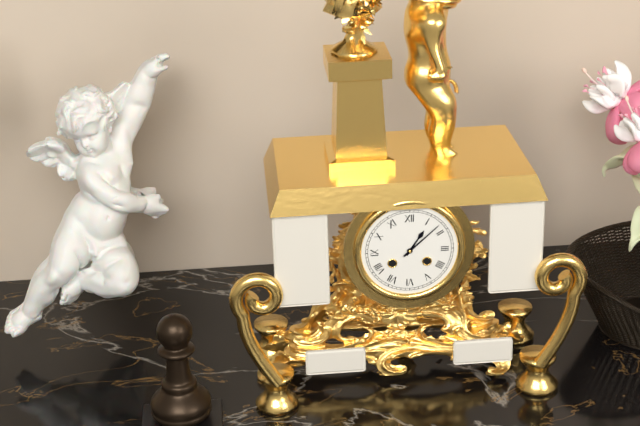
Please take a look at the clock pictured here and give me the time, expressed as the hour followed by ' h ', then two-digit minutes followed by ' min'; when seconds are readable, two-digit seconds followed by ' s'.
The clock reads 1 h 08 min
